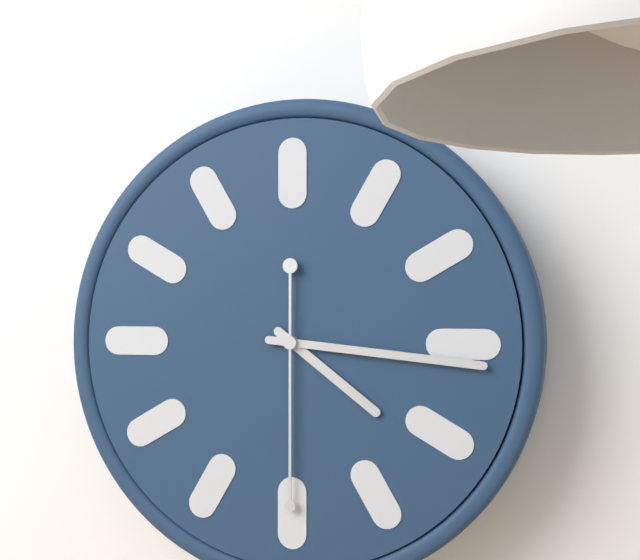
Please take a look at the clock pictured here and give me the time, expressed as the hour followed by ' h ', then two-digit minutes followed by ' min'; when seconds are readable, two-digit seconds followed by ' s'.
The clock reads 4 h 16 min 30 s
